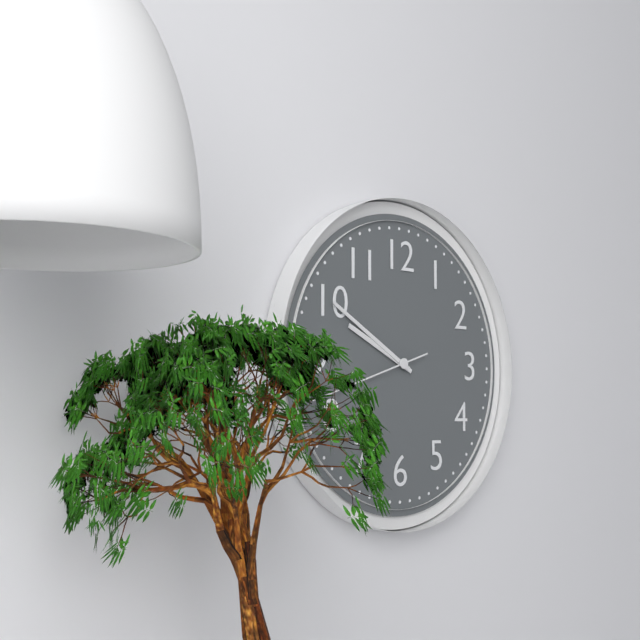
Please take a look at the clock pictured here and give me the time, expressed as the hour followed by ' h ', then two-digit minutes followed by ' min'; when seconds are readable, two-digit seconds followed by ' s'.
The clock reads 9 h 50 min
